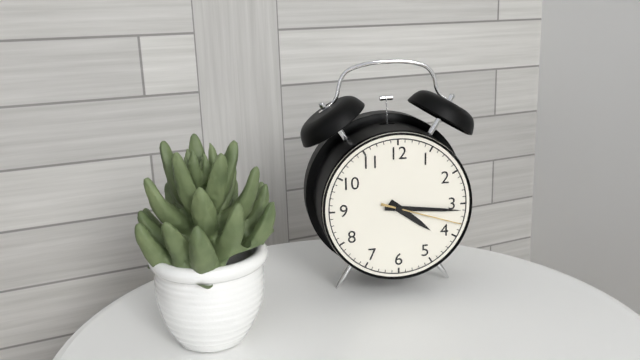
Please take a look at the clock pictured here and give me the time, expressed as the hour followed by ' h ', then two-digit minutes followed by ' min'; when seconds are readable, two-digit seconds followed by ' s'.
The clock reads 4 h 16 min 18 s
